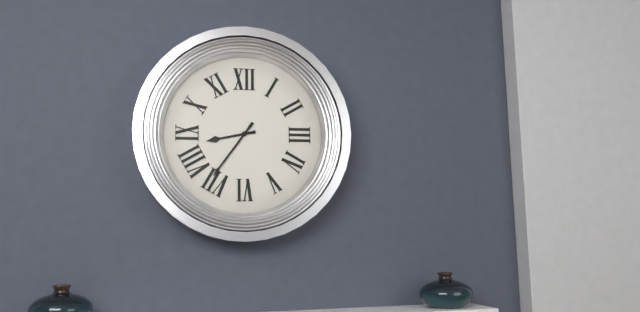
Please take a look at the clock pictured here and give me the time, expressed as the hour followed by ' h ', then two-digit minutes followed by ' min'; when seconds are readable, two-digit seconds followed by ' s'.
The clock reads 8 h 36 min
